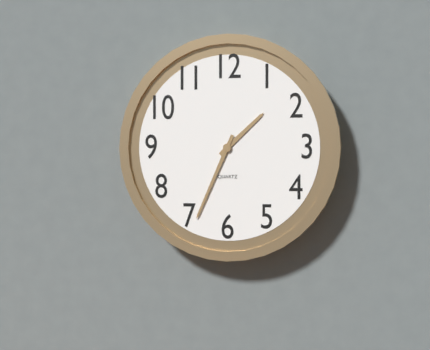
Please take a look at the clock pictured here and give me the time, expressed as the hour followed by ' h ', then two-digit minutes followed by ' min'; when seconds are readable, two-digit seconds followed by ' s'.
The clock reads 1 h 34 min
